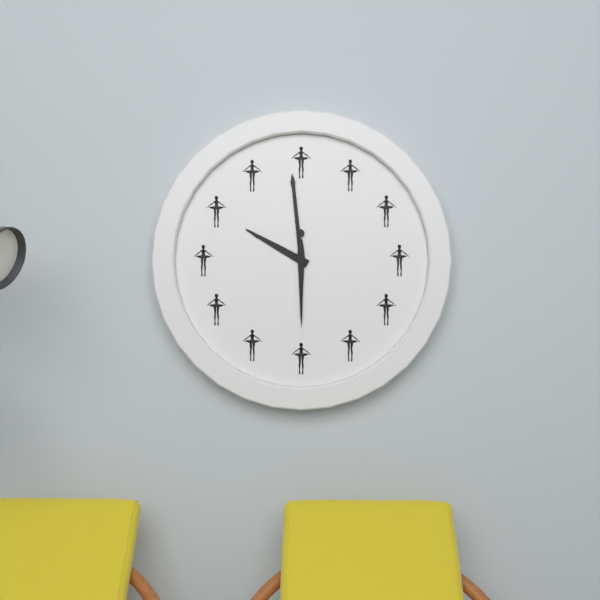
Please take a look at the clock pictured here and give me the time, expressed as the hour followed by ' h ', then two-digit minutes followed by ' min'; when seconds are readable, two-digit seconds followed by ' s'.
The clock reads 9 h 59 min
